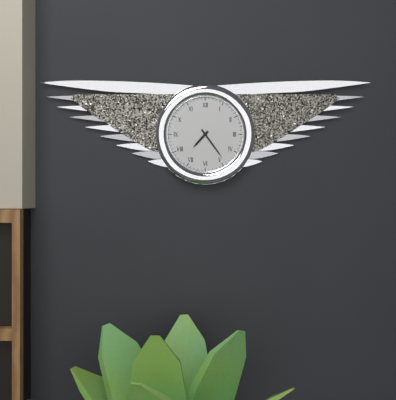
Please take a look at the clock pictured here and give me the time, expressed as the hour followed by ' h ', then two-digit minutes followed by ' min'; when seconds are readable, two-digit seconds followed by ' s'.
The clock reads 7 h 24 min
